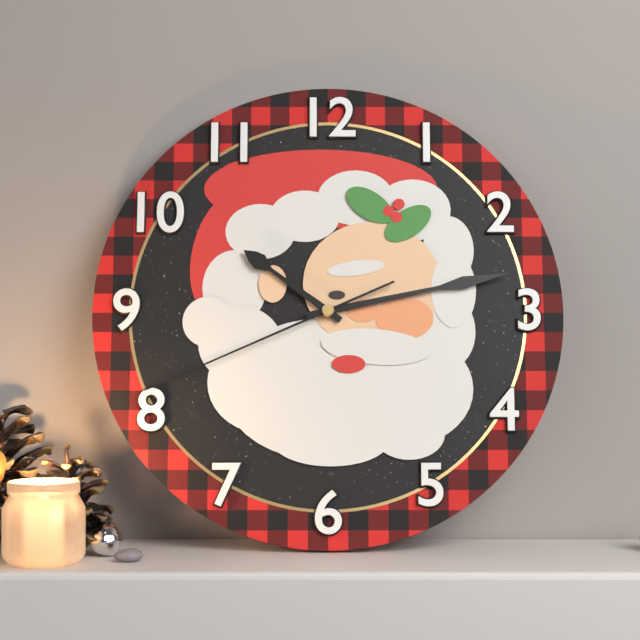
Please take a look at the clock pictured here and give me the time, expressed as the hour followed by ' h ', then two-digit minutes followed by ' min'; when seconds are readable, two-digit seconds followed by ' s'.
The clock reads 10 h 13 min 41 s
